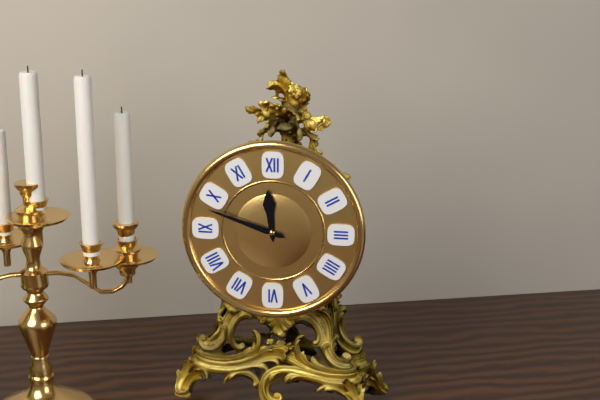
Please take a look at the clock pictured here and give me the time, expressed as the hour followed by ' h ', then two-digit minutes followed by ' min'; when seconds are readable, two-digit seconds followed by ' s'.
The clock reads 11 h 48 min
